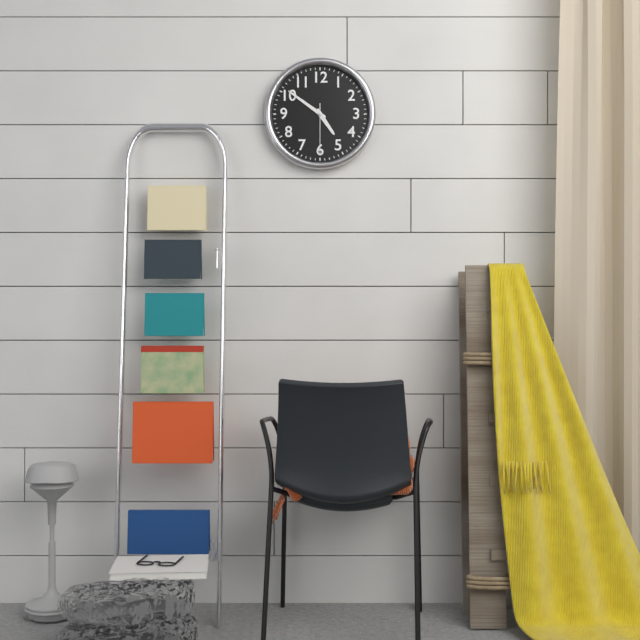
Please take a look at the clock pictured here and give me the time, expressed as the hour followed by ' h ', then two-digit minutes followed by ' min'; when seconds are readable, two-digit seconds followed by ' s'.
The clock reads 4 h 51 min 30 s
